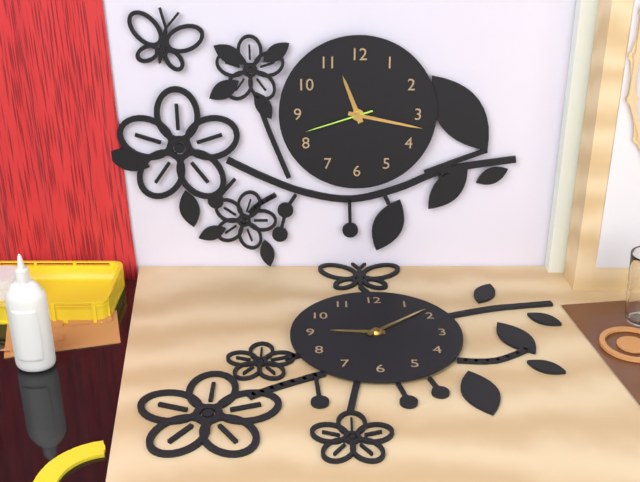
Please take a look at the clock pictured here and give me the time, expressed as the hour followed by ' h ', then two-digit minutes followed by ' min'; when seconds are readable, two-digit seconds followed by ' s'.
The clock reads 11 h 17 min 42 s
